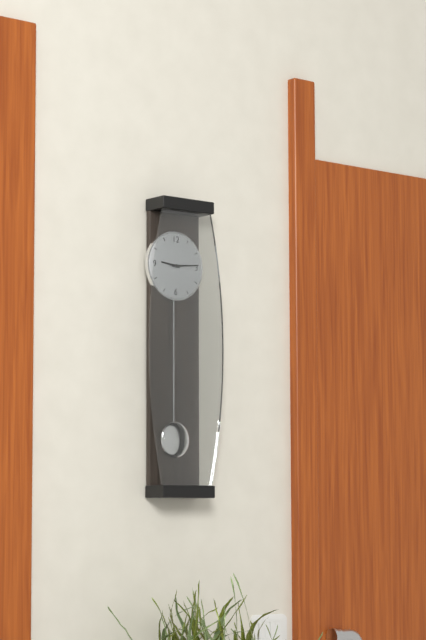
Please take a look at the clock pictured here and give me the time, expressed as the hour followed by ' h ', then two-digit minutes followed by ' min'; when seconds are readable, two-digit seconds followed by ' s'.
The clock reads 9 h 14 min
